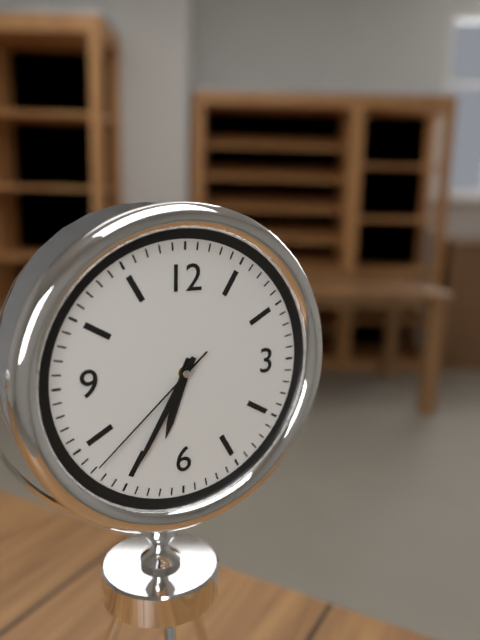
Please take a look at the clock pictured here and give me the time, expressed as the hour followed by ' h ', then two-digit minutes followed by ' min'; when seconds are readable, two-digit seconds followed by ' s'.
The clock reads 6 h 35 min 38 s
